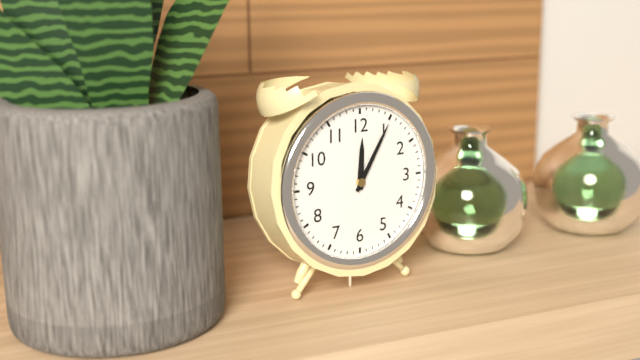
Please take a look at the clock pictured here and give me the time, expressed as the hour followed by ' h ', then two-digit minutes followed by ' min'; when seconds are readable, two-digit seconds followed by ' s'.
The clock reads 12 h 05 min
